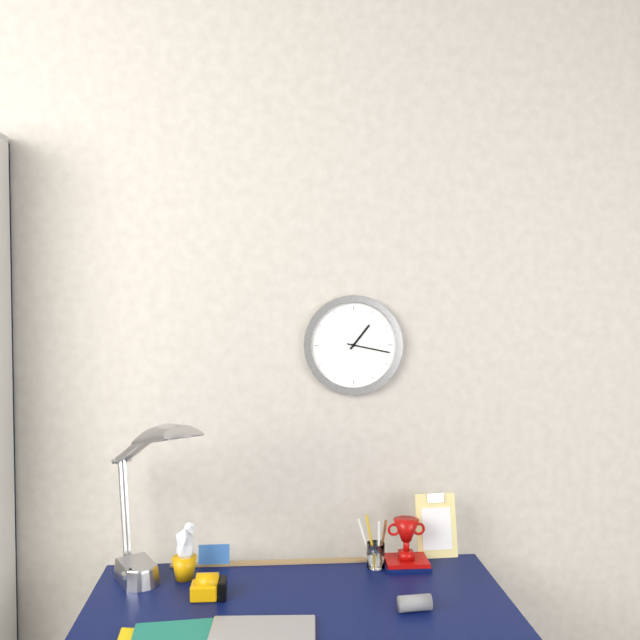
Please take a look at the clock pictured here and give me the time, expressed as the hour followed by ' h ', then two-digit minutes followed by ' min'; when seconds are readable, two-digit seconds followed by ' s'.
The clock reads 1 h 17 min
